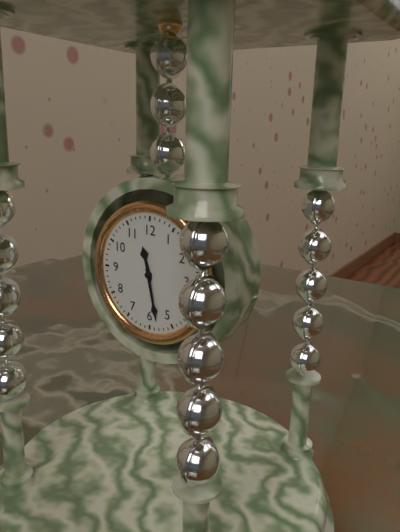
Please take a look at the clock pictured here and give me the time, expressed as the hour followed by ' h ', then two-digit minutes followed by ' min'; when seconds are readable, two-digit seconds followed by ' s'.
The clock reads 11 h 28 min
